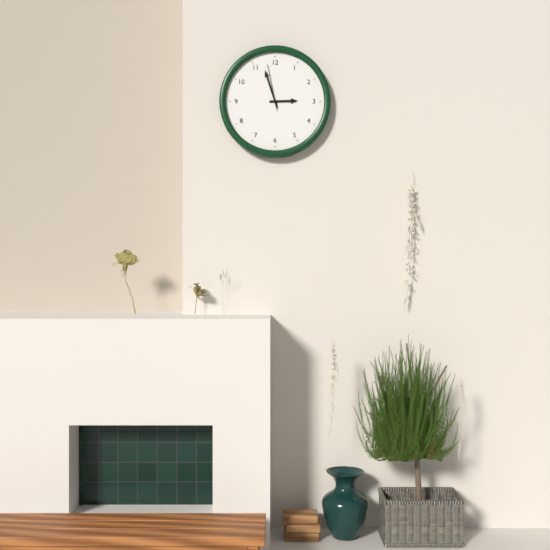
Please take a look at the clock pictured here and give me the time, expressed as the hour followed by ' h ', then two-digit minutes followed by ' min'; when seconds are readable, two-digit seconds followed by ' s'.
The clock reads 2 h 57 min
